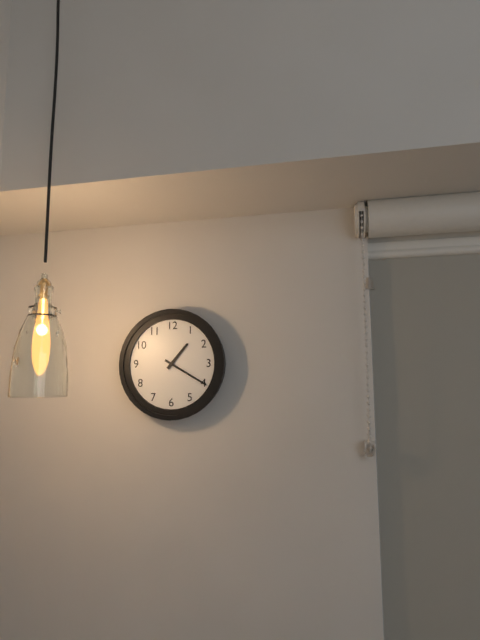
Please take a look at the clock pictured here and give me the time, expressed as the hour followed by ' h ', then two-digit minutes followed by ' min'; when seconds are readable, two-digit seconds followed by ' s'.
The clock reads 1 h 20 min
